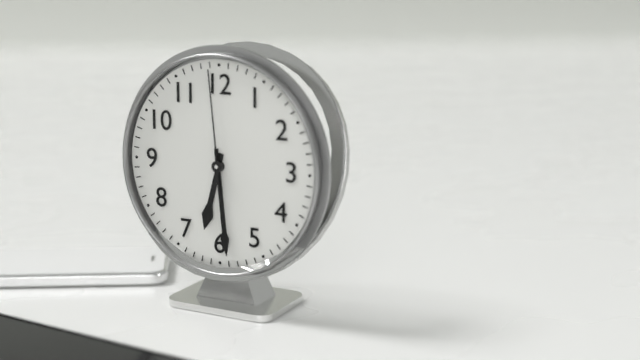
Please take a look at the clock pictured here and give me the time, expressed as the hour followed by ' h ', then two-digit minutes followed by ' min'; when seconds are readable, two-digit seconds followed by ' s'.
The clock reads 6 h 29 min 59 s
